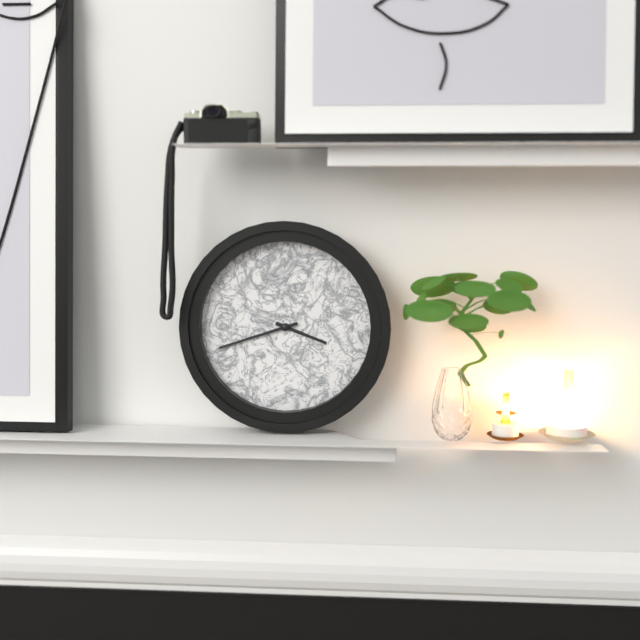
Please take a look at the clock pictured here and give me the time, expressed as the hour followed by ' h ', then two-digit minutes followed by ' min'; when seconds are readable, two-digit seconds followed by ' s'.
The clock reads 3 h 42 min
